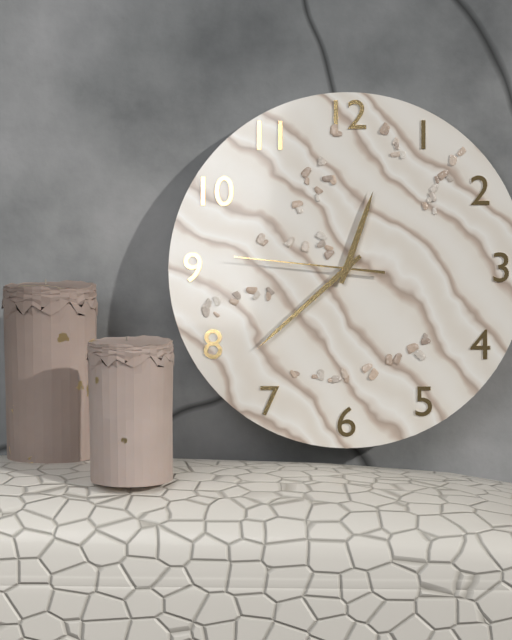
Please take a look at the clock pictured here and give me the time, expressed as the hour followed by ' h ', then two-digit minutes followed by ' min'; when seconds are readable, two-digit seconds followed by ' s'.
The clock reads 12 h 38 min 46 s
